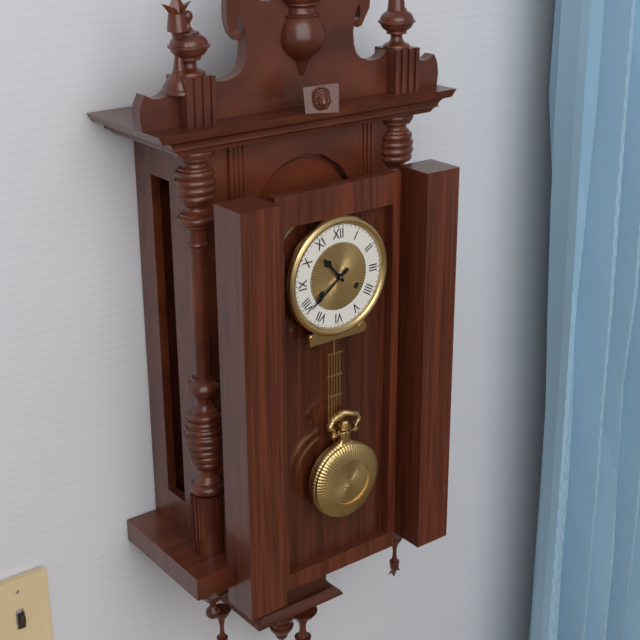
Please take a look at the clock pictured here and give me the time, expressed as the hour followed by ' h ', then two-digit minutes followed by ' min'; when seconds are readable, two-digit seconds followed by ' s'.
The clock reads 10 h 39 min
